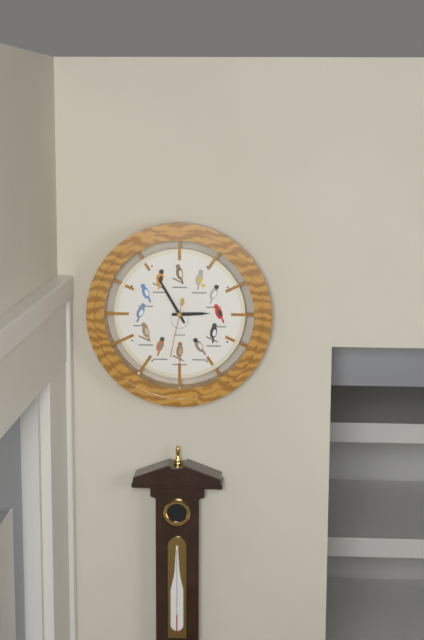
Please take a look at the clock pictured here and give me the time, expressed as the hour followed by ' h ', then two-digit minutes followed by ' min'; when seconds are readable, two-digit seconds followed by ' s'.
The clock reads 2 h 55 min 32 s
